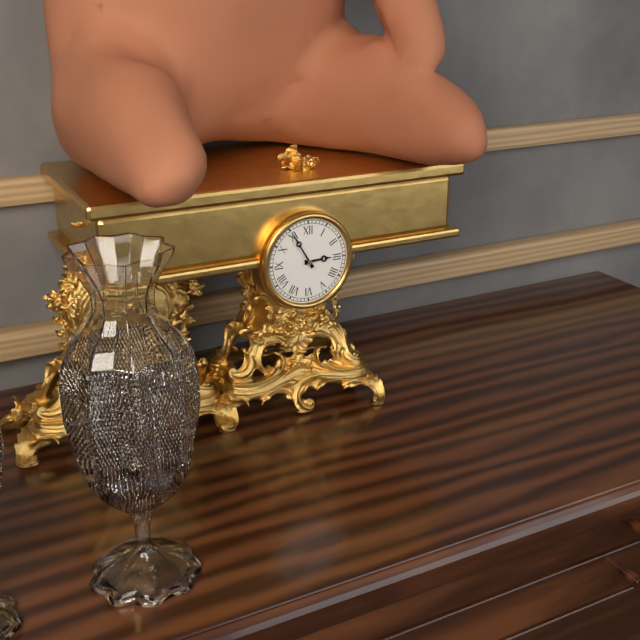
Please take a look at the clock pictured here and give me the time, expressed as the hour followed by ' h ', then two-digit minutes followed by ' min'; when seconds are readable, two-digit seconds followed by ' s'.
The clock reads 2 h 55 min
